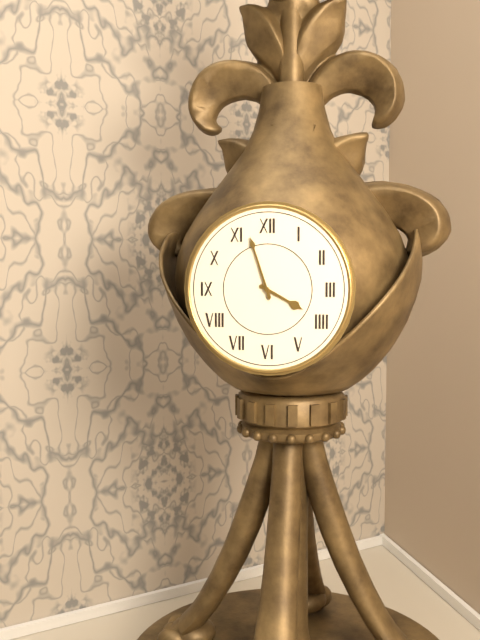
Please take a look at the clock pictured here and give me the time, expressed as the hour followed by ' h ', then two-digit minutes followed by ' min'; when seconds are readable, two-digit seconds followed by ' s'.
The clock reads 3 h 57 min
